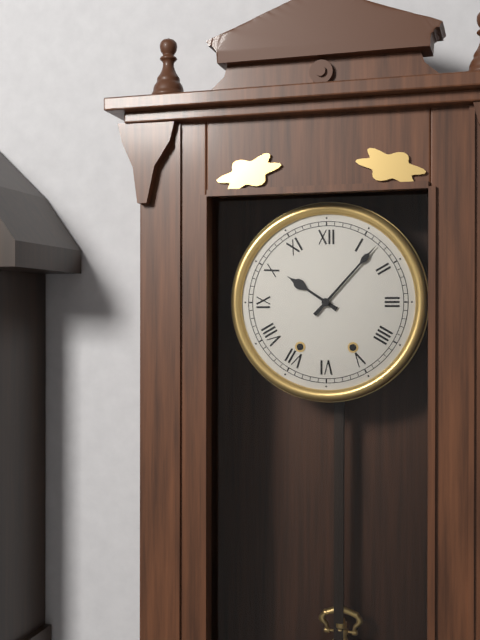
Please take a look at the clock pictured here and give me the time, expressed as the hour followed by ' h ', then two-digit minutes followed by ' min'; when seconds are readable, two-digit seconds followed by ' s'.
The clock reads 10 h 07 min
